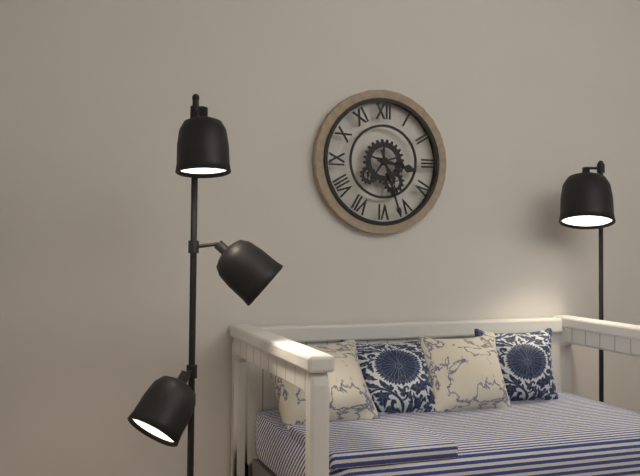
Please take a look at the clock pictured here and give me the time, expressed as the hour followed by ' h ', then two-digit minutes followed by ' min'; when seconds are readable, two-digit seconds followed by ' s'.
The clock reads 3 h 27 min
